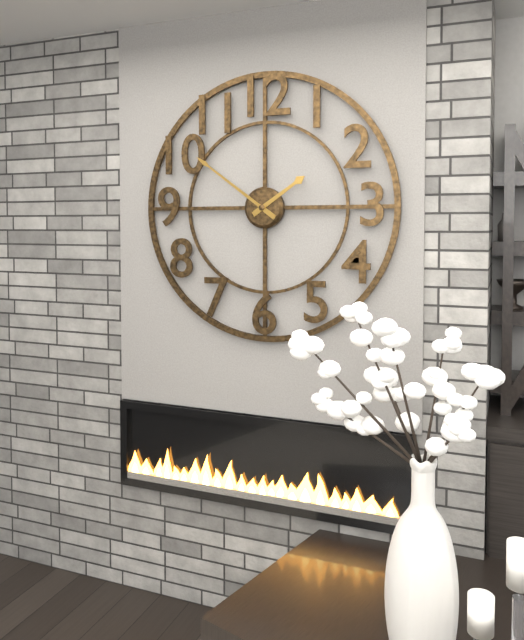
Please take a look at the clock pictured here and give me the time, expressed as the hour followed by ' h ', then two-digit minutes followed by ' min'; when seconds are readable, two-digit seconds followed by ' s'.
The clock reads 1 h 51 min
